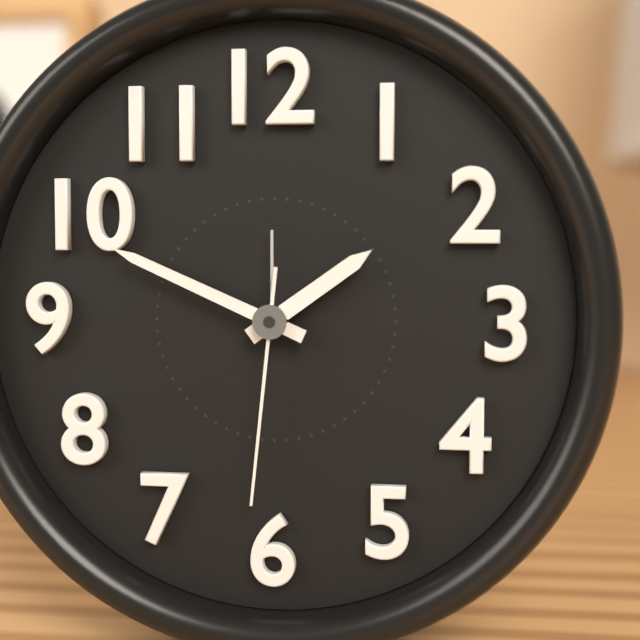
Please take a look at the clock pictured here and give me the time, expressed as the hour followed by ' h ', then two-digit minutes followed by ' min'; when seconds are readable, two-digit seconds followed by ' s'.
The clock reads 1 h 49 min 31 s
